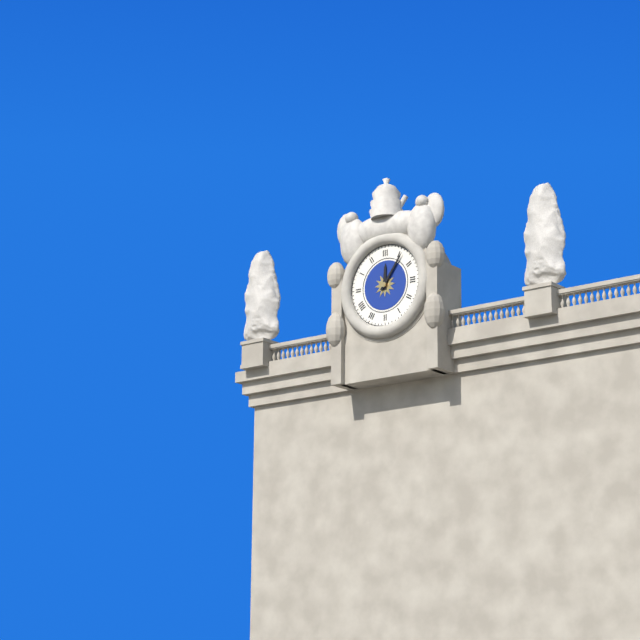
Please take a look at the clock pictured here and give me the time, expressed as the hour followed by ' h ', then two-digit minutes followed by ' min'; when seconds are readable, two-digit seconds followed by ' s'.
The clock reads 12 h 06 min
